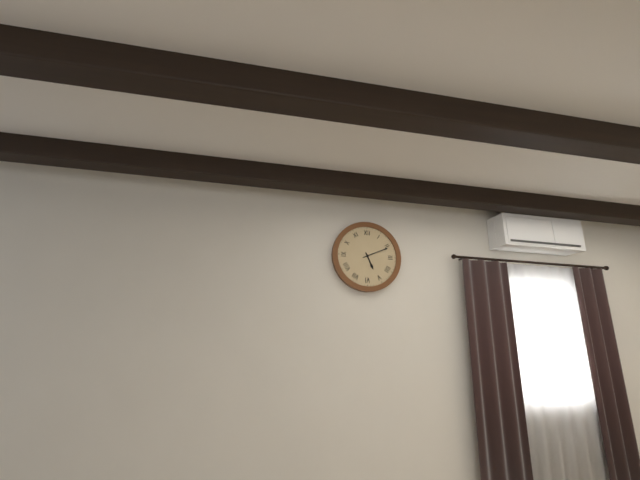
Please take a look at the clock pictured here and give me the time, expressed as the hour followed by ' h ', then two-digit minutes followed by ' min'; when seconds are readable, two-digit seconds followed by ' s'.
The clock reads 5 h 11 min
